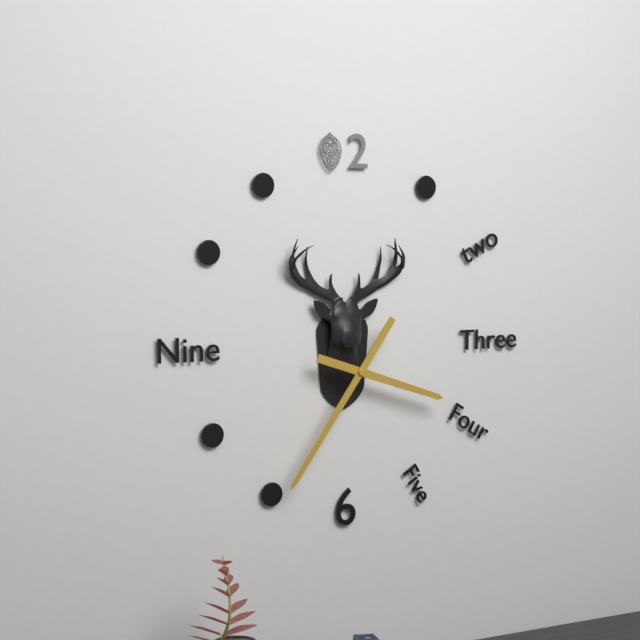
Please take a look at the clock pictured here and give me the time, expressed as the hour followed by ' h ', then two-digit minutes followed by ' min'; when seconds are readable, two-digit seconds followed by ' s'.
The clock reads 3 h 36 min
